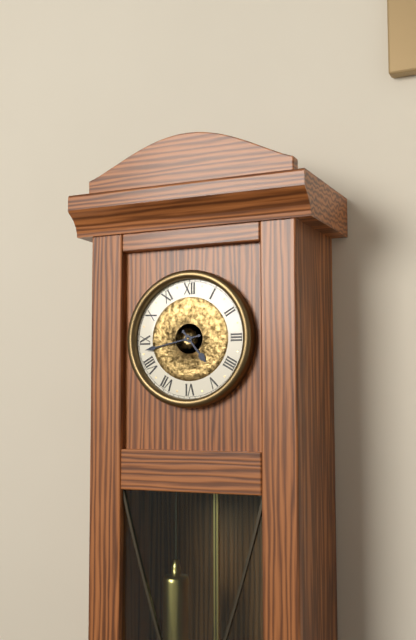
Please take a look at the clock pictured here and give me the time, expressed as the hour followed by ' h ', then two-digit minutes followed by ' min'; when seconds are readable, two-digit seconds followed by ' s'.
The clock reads 4 h 43 min
